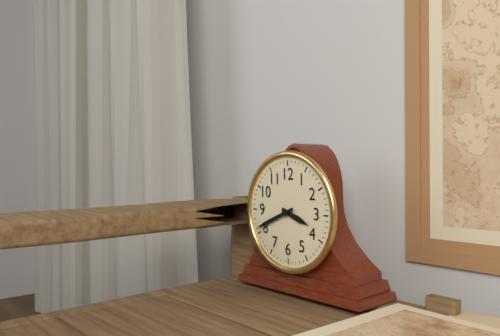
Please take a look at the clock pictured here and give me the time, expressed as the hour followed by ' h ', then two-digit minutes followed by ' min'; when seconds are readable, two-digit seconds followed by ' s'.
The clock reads 3 h 41 min
